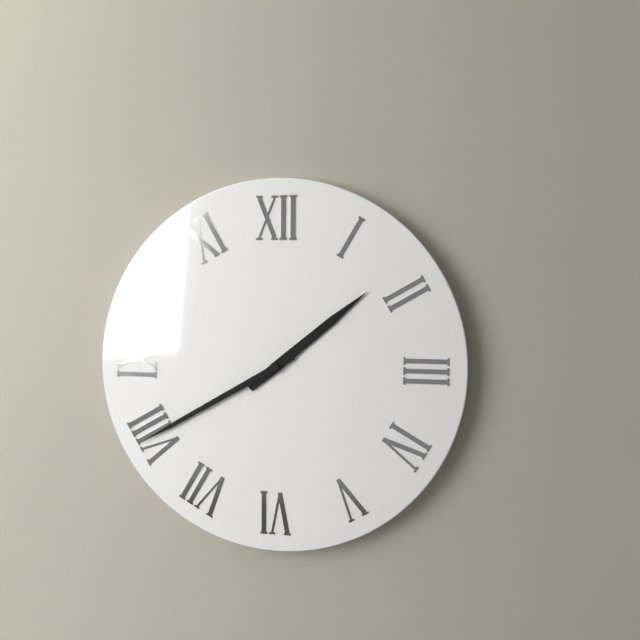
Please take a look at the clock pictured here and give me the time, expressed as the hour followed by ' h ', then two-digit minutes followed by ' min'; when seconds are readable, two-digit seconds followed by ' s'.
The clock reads 1 h 40 min
